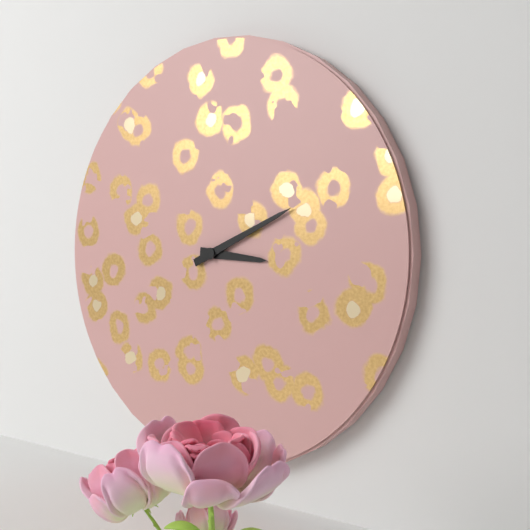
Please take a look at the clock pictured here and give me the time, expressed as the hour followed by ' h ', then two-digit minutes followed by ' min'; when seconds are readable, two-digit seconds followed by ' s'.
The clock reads 3 h 11 min
